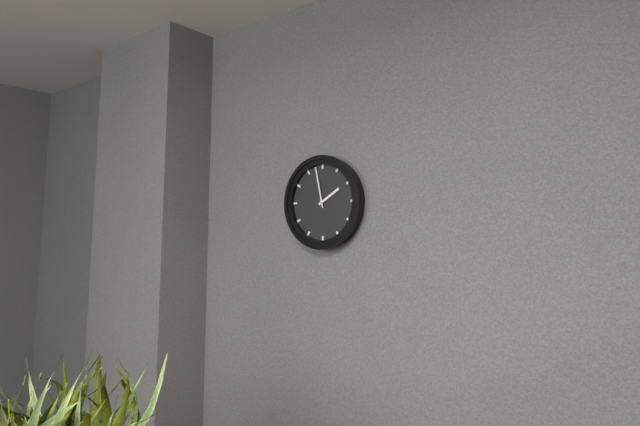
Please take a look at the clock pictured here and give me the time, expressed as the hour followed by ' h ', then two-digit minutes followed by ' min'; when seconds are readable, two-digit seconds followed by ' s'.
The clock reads 1 h 58 min
